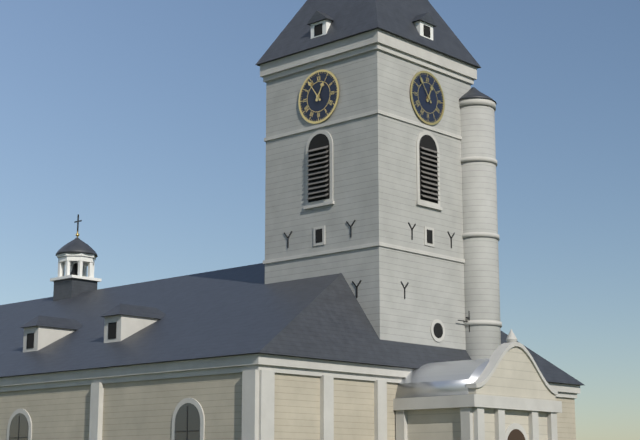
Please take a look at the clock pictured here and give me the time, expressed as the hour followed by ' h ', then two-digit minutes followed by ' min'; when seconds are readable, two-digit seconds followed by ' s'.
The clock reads 12 h 54 min
